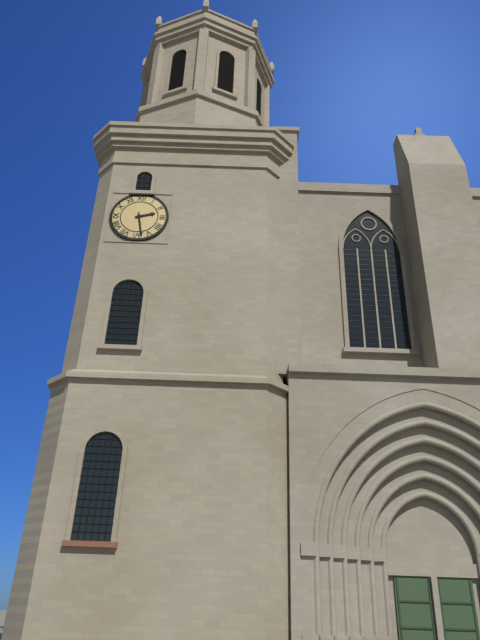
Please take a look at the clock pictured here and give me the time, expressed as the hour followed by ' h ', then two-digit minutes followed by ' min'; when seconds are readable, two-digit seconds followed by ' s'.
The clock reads 2 h 28 min
